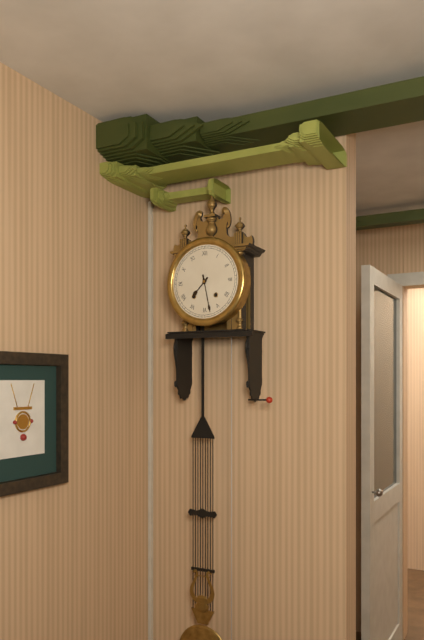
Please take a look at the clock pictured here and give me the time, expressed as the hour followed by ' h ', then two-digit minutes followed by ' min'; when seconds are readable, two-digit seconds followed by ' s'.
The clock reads 7 h 28 min
